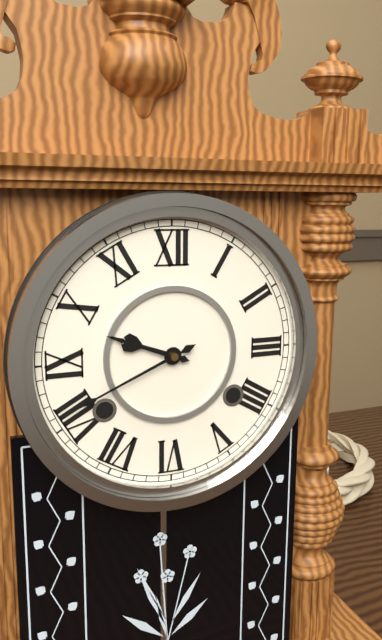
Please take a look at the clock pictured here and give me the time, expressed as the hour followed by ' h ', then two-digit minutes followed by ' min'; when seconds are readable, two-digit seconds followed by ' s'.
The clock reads 9 h 41 min
